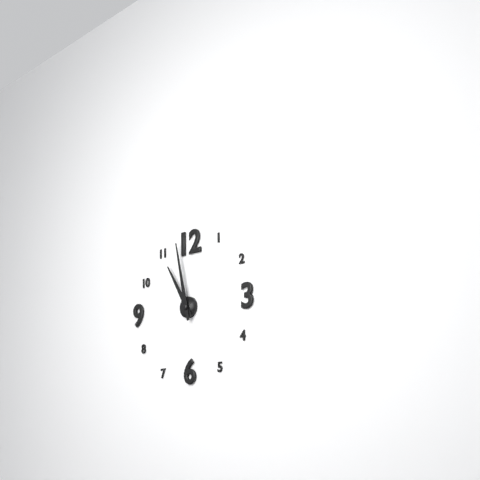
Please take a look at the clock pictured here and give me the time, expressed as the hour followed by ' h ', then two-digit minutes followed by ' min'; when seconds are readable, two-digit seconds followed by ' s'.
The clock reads 10 h 58 min
